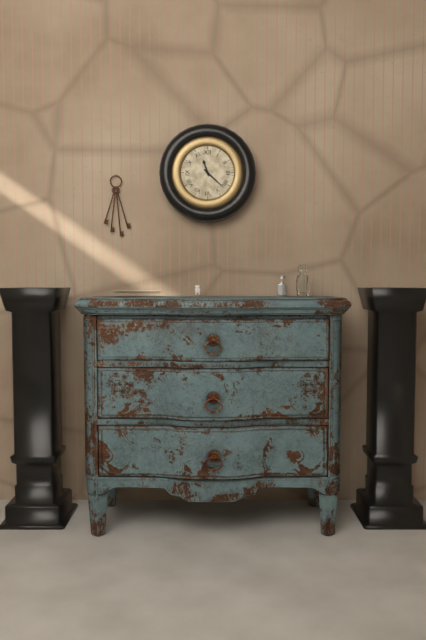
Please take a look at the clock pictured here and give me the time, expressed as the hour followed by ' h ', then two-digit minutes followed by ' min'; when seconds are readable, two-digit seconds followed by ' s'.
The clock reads 11 h 22 min
